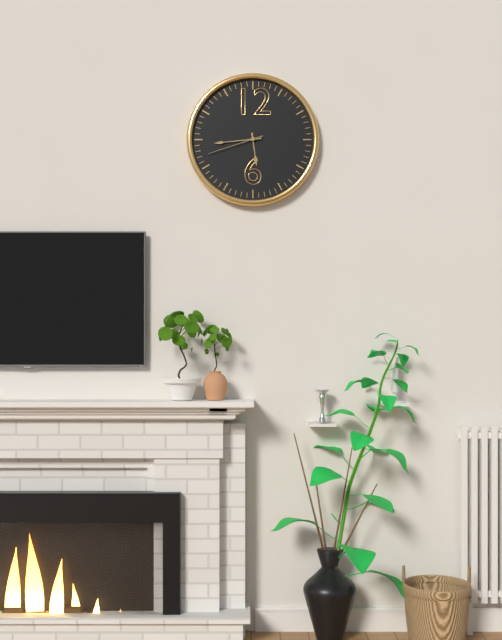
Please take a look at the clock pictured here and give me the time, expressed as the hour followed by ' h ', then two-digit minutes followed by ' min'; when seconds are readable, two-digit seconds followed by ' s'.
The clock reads 5 h 44 min 42 s
